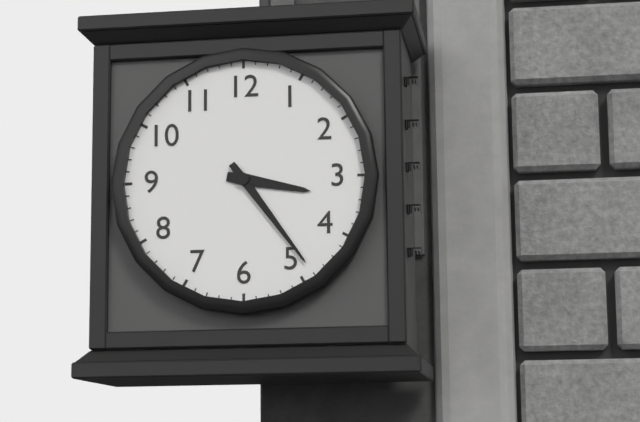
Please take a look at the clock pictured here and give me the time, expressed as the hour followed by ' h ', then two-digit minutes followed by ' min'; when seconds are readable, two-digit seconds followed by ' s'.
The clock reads 3 h 24 min
